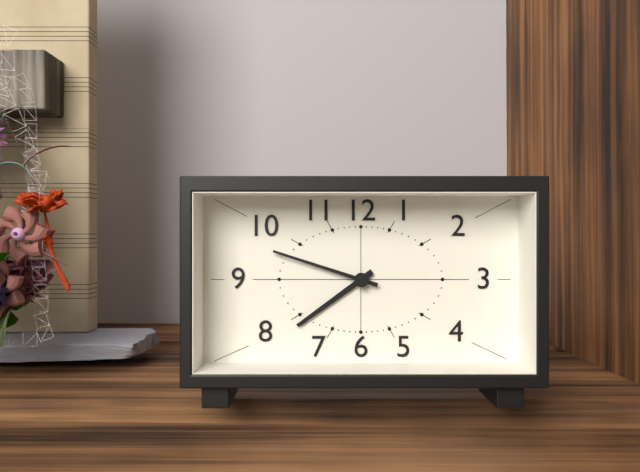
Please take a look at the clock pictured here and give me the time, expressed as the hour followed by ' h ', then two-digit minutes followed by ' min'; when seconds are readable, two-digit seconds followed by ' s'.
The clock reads 7 h 48 min
